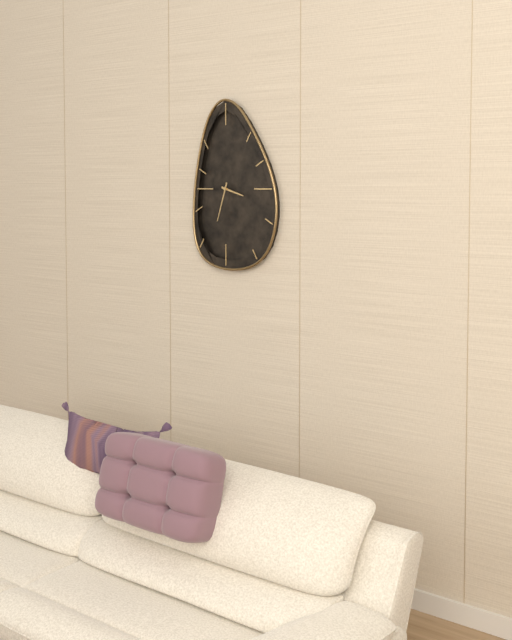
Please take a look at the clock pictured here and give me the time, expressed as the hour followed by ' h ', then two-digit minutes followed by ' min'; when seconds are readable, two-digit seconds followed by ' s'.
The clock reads 3 h 33 min
